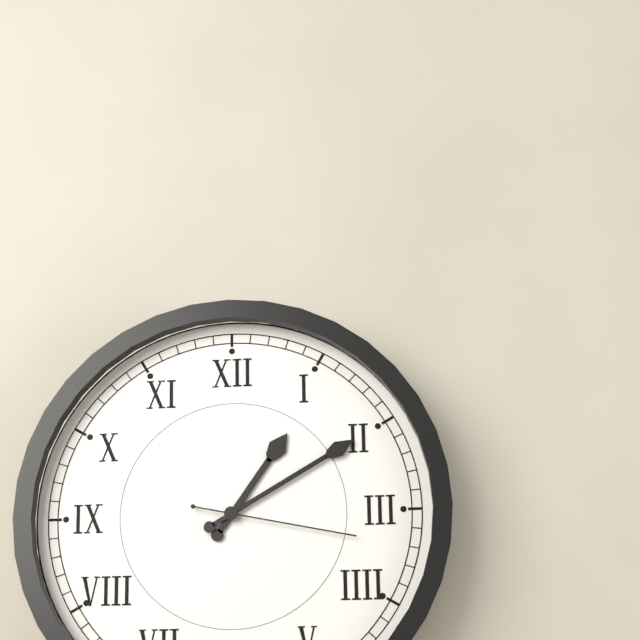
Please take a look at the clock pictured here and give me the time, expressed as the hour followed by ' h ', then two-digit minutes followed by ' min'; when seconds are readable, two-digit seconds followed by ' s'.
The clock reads 1 h 10 min 17 s
